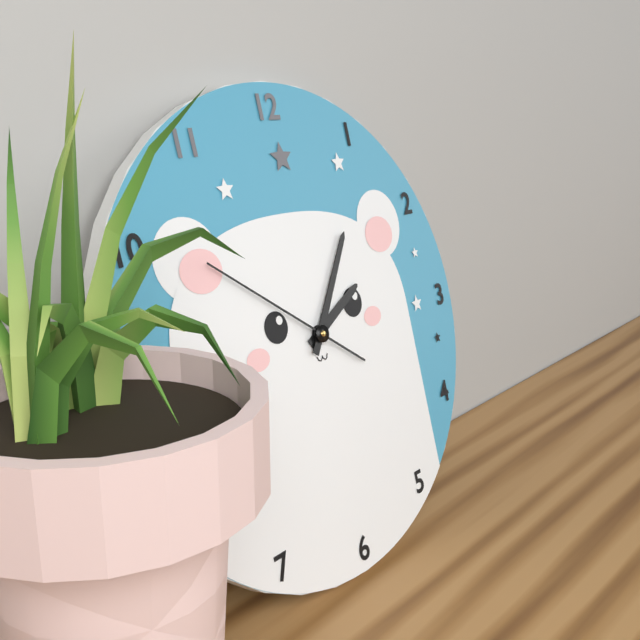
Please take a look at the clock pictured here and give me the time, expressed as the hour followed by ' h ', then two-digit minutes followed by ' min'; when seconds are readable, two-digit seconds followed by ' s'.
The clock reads 2 h 06 min 51 s
